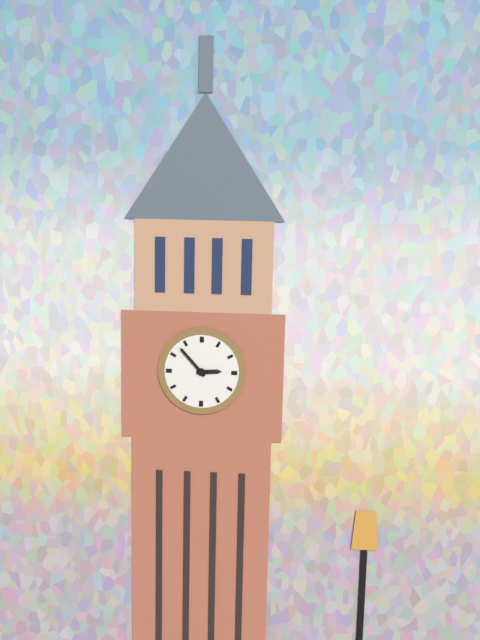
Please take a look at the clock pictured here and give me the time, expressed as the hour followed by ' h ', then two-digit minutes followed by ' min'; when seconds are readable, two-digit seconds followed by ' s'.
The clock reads 2 h 53 min
